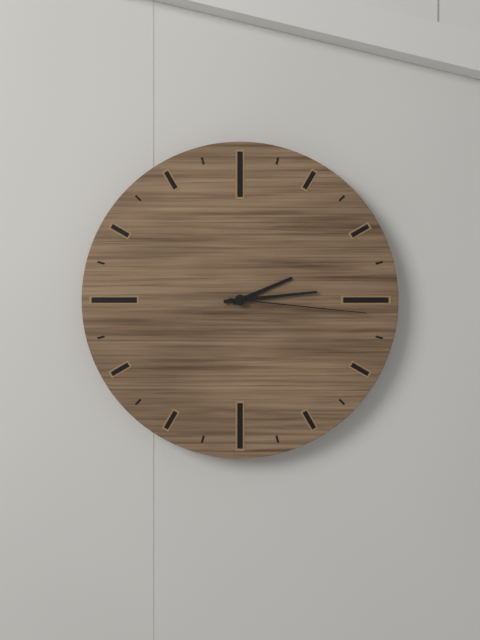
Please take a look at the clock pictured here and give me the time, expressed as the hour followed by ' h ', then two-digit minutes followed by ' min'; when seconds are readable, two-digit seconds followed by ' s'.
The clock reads 2 h 14 min 16 s
